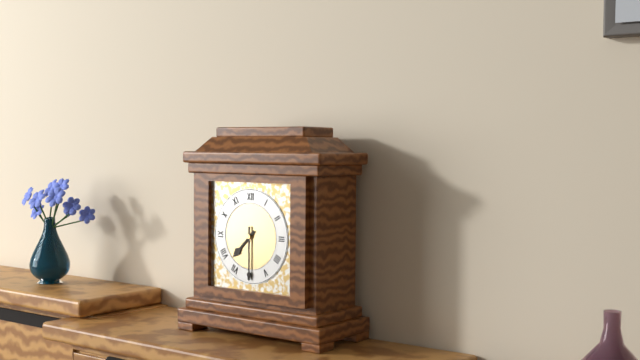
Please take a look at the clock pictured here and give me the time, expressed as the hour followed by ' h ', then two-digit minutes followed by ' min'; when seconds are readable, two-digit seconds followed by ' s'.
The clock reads 7 h 30 min
